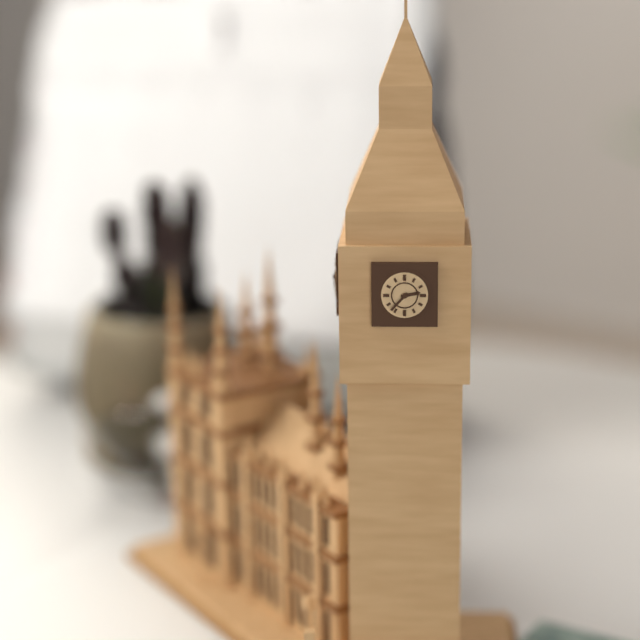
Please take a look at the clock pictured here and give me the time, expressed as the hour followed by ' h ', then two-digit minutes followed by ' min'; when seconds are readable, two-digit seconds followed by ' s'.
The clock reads 2 h 37 min
